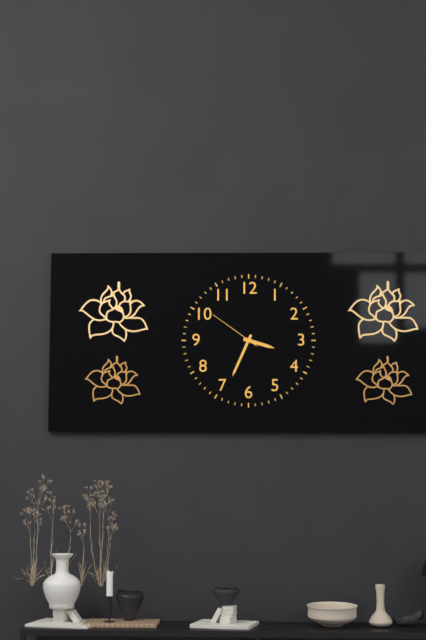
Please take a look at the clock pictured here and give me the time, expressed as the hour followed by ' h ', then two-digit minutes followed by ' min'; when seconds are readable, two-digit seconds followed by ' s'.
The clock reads 3 h 34 min 51 s
